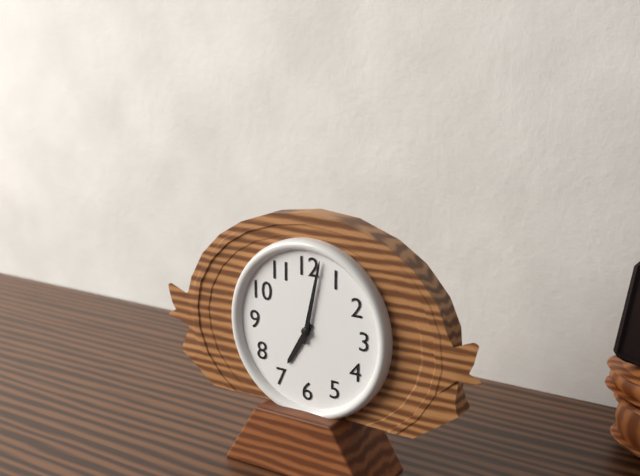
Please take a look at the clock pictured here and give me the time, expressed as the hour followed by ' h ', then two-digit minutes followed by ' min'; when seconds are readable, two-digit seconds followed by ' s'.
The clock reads 7 h 02 min
